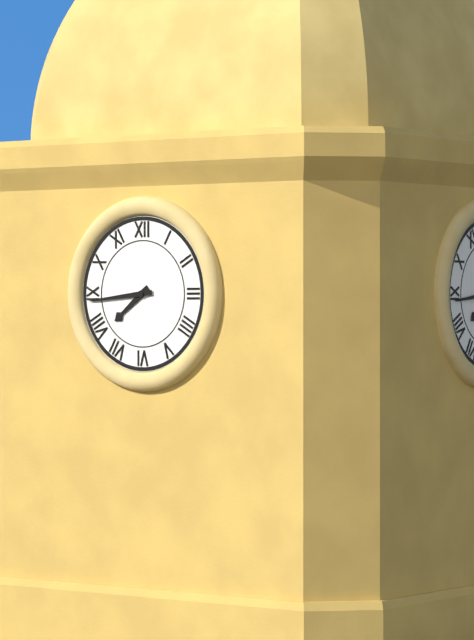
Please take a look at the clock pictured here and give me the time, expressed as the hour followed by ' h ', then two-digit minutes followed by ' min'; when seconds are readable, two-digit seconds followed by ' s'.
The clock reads 7 h 44 min
